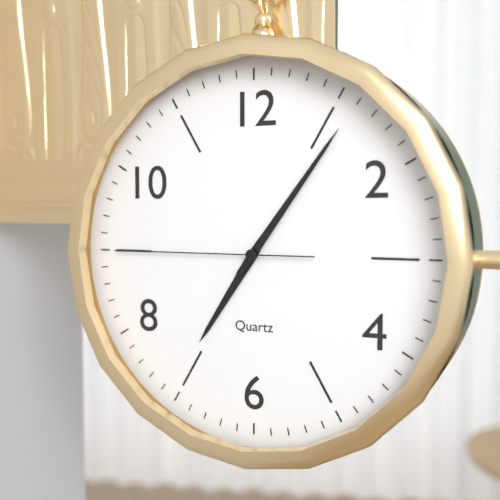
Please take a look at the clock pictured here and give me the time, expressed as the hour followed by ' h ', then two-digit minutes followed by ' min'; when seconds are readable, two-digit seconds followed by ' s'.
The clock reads 7 h 06 min 45 s
